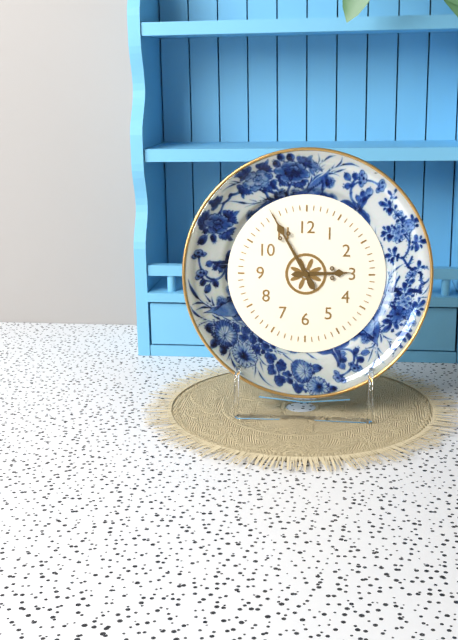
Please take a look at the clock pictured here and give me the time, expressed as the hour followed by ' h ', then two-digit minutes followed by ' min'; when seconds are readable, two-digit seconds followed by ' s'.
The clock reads 2 h 55 min
